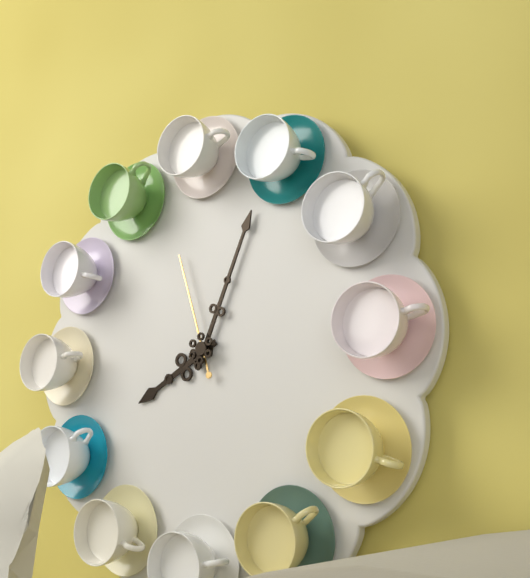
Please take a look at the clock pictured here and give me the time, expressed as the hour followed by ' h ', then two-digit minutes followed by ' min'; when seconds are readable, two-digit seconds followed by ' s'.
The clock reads 8 h 04 min 57 s
